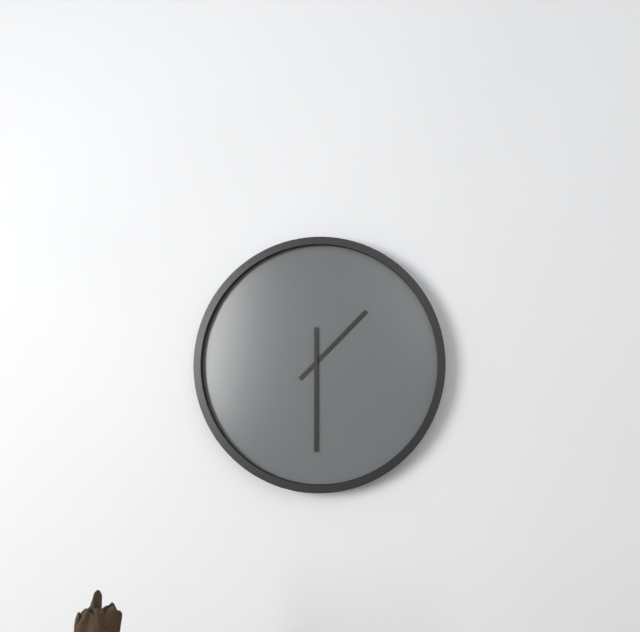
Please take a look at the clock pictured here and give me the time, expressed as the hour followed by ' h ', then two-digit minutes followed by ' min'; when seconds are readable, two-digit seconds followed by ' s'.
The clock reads 1 h 30 min
